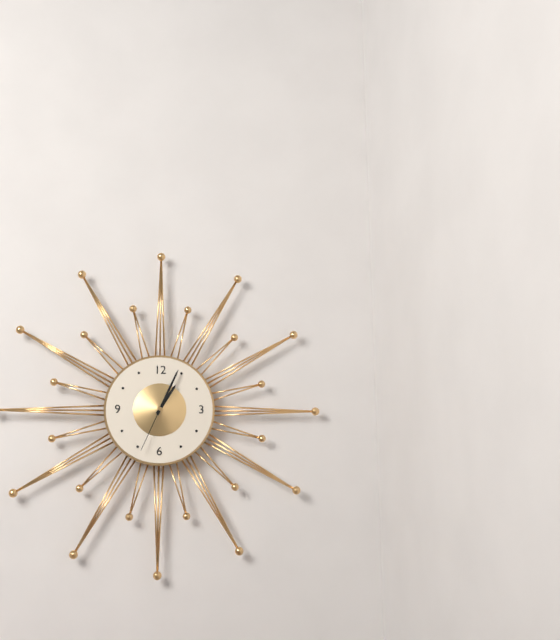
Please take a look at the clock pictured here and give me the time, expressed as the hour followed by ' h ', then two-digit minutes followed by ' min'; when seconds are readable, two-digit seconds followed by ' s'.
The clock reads 1 h 04 min 34 s
